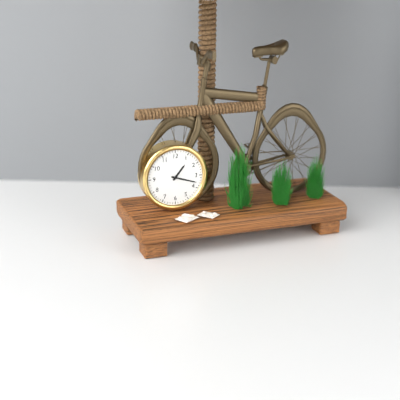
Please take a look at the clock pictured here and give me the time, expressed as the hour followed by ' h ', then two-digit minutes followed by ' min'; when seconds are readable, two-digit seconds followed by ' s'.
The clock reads 1 h 18 min
